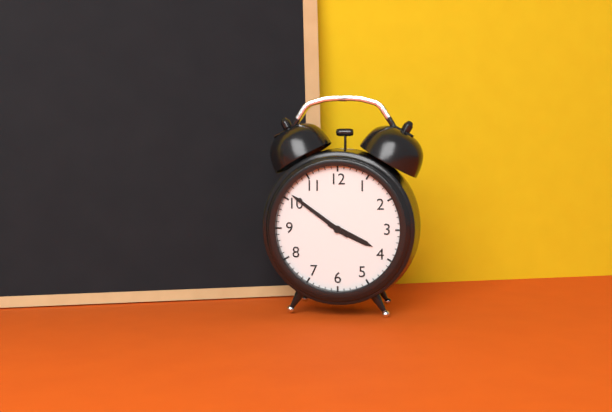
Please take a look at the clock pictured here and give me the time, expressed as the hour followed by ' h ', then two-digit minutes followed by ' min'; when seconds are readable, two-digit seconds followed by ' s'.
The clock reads 3 h 51 min
